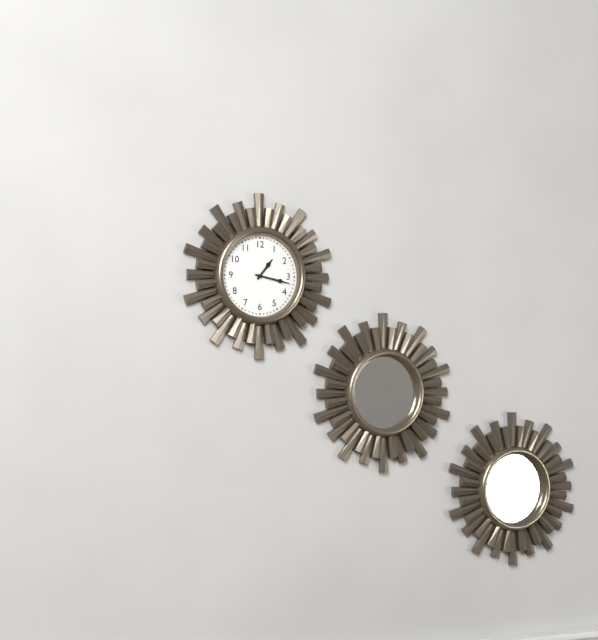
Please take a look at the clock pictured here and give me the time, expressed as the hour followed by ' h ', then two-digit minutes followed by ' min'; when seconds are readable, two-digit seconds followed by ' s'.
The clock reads 1 h 17 min
